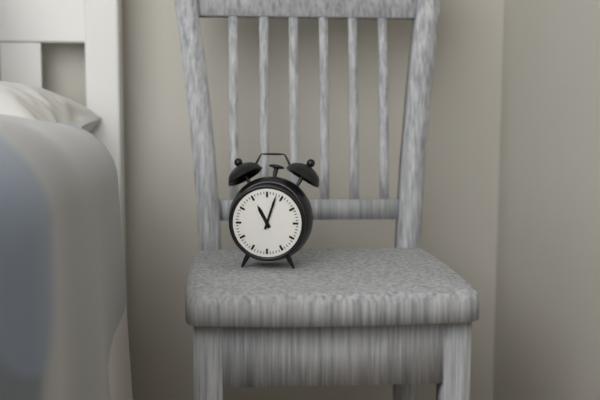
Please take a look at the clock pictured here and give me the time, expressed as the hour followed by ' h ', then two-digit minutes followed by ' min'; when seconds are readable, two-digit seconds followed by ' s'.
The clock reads 11 h 03 min
